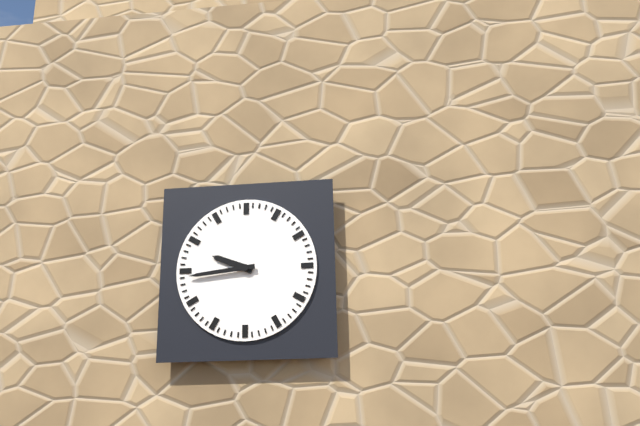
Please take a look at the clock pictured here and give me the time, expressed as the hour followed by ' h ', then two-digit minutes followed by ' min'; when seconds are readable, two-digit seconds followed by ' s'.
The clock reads 9 h 44 min
